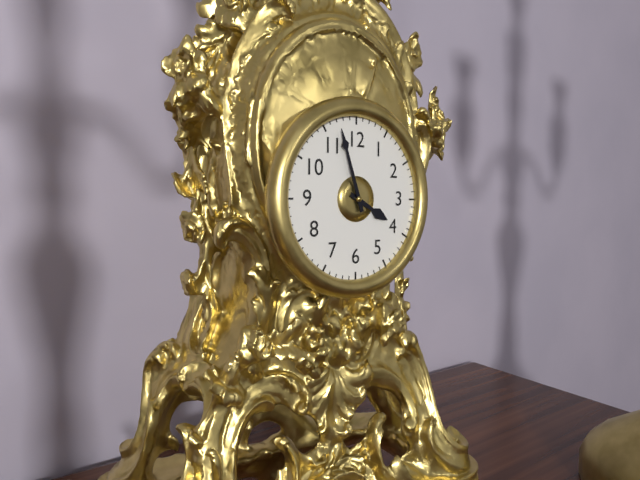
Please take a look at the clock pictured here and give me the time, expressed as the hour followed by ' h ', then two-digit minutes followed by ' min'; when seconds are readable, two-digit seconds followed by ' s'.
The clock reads 3 h 57 min
